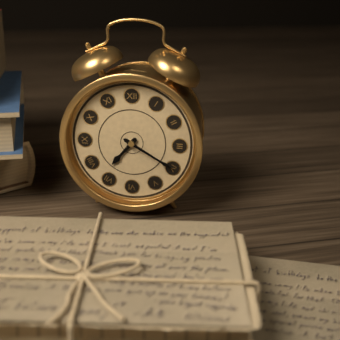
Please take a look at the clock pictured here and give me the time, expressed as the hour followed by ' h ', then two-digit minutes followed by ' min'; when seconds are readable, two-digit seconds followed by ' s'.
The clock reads 7 h 20 min
